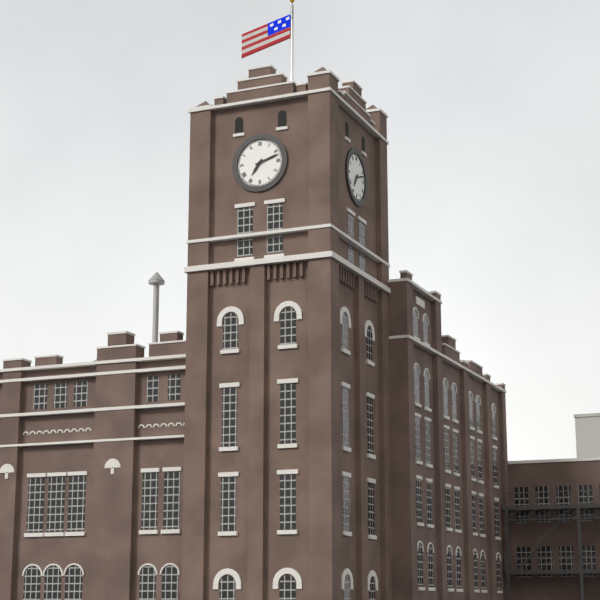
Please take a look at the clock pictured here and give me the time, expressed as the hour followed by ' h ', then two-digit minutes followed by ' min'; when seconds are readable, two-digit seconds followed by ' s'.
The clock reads 7 h 12 min
